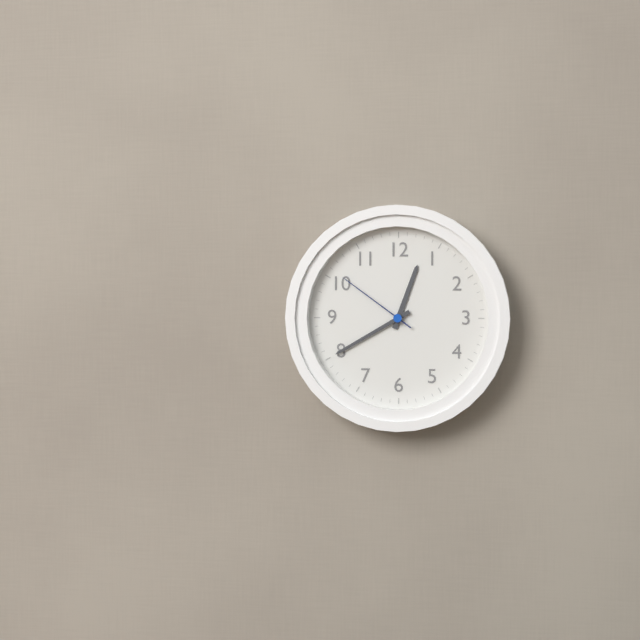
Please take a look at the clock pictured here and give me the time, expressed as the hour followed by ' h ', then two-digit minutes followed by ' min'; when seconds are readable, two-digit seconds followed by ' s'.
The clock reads 12 h 40 min 51 s
